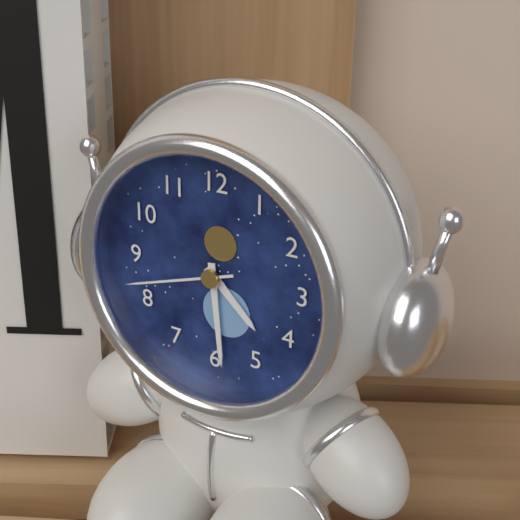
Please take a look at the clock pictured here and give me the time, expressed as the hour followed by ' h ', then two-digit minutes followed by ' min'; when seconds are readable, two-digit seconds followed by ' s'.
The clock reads 4 h 29 min 42 s
